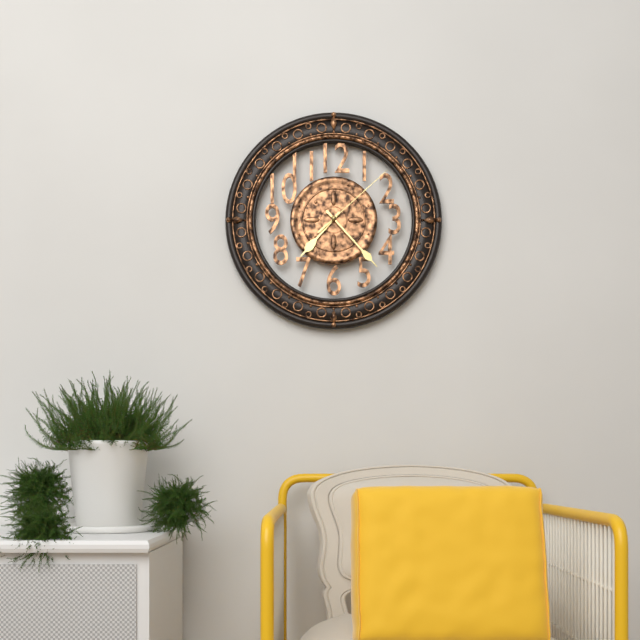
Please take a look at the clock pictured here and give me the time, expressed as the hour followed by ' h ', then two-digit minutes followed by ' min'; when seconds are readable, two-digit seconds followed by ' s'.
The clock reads 7 h 23 min 08 s
